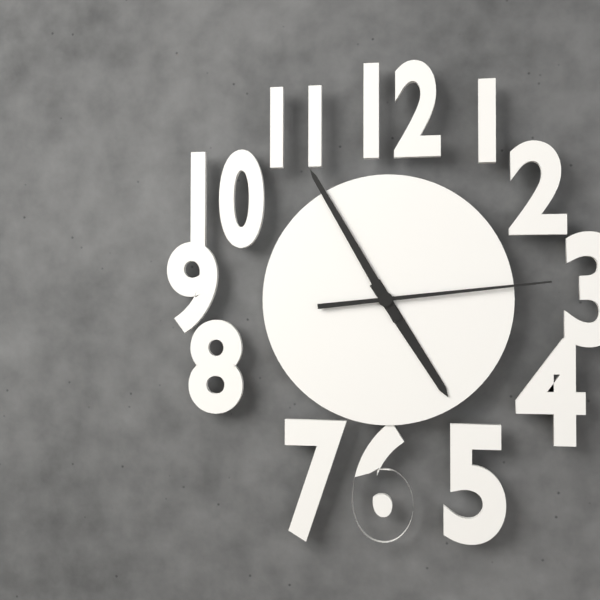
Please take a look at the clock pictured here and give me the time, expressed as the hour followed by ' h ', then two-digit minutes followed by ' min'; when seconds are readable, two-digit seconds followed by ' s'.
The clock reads 4 h 55 min 14 s
